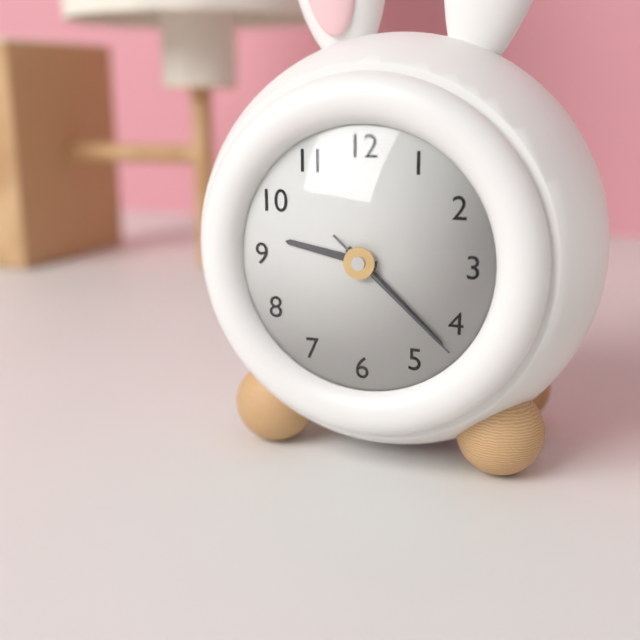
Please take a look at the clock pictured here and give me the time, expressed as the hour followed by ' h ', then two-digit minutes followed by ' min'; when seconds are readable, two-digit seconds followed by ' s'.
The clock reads 9 h 22 min 22 s
